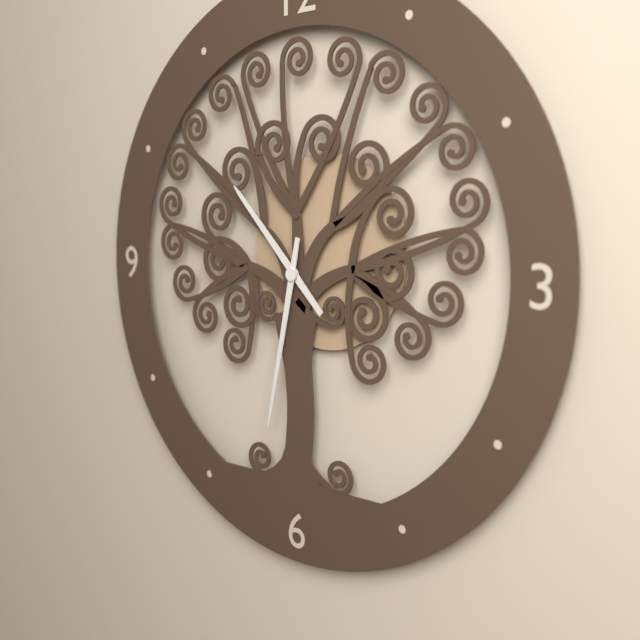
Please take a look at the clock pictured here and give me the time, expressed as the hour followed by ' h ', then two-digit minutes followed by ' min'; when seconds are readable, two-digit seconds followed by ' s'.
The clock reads 10 h 32 min
